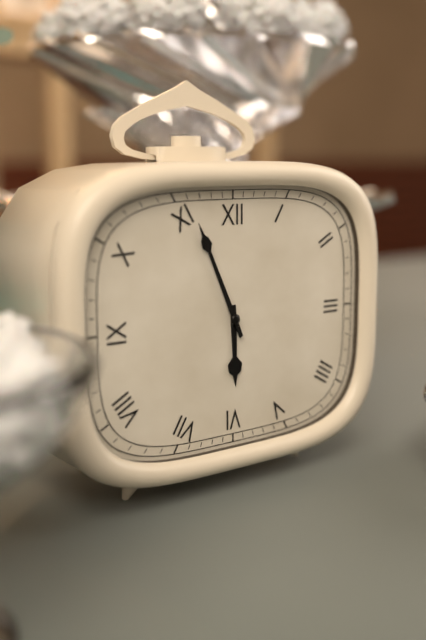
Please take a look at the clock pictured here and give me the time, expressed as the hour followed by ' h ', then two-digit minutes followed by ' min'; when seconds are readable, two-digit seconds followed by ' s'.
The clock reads 5 h 56 min
